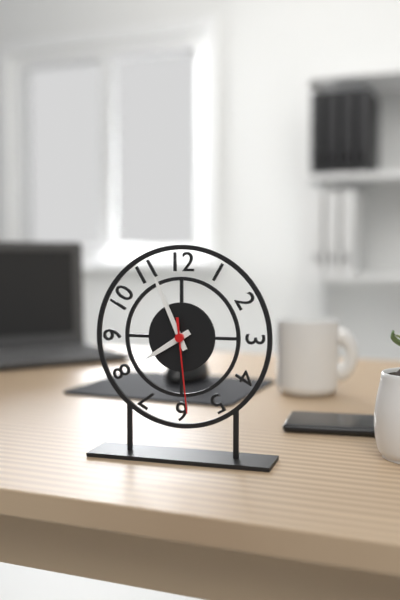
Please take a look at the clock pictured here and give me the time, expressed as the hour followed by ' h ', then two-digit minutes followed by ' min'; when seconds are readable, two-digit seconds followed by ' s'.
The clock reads 7 h 56 min 29 s
